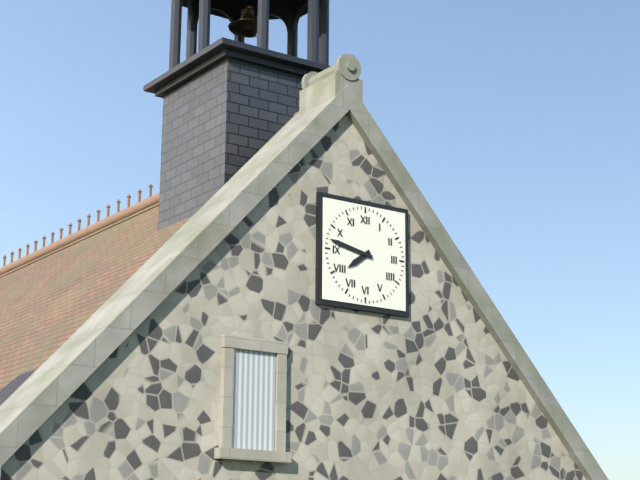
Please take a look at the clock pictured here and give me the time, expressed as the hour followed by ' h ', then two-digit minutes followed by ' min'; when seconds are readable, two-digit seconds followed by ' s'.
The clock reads 7 h 47 min
